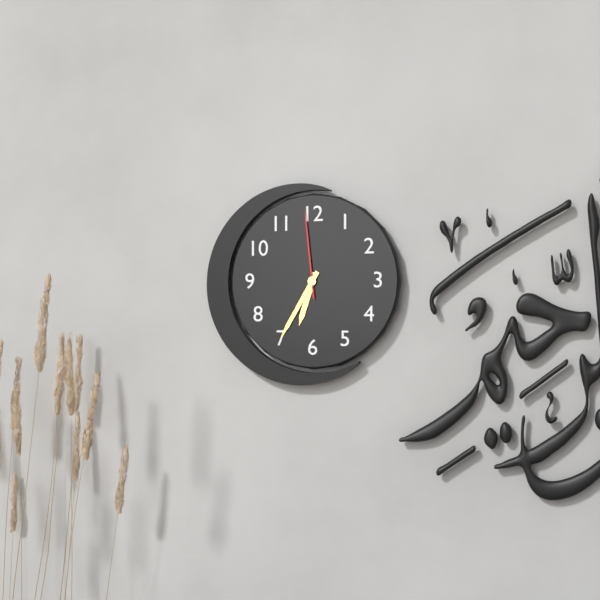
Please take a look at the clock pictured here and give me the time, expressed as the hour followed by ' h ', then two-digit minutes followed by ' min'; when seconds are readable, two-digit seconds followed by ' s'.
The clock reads 6 h 35 min 59 s
